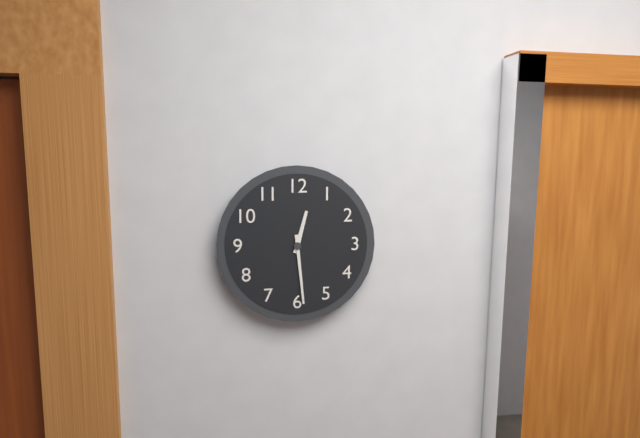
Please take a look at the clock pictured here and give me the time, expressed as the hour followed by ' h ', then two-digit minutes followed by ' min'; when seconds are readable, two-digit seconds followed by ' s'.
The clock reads 12 h 29 min
